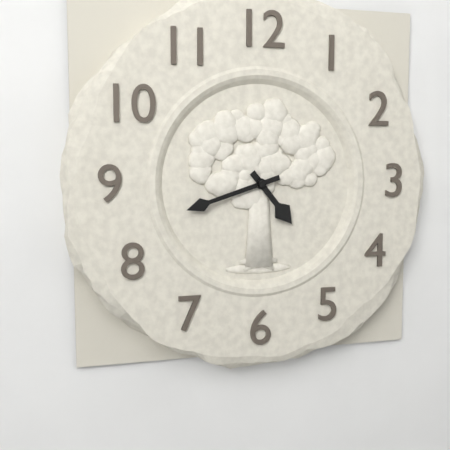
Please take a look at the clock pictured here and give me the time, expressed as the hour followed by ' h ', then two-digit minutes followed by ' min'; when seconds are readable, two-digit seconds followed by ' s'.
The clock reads 4 h 42 min
